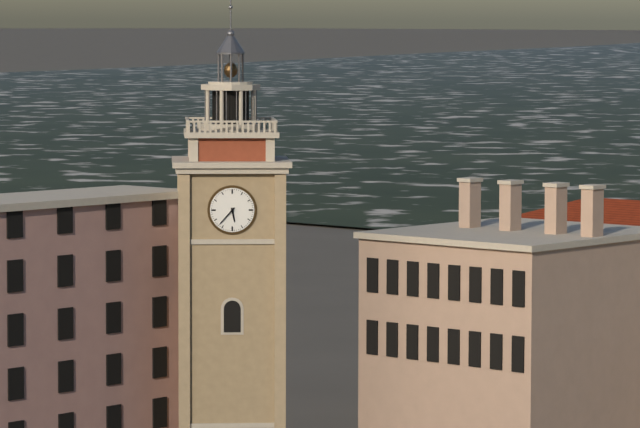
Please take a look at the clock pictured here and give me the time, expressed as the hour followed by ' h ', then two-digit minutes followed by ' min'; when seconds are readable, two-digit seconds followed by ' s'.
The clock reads 5 h 37 min
